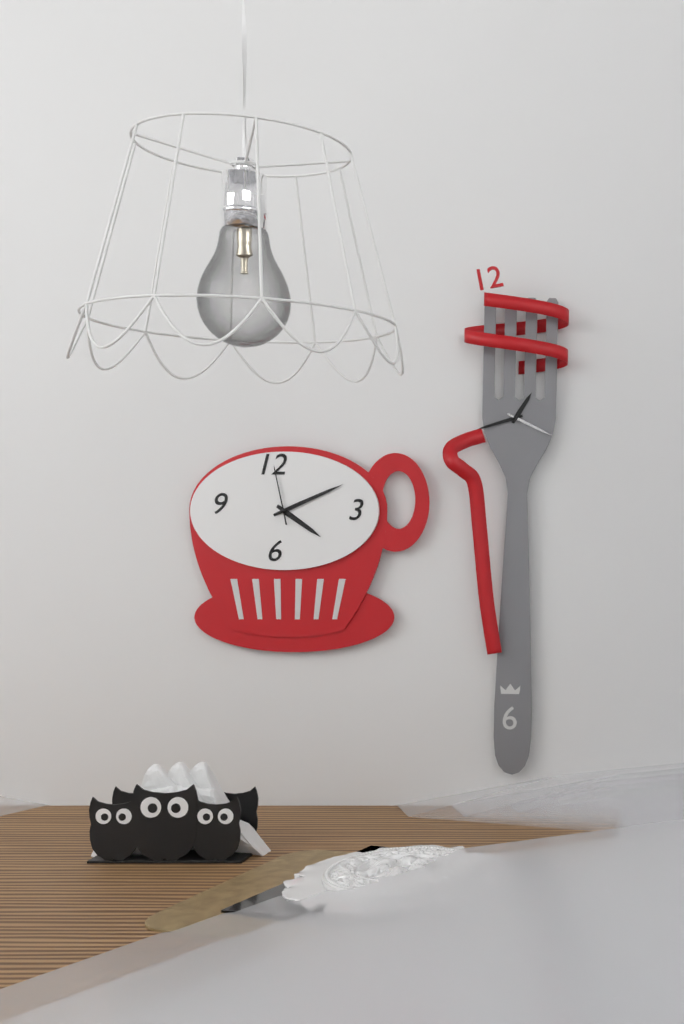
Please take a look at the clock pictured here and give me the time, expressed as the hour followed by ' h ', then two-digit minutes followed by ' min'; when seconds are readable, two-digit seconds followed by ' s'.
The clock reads 4 h 11 min 58 s
